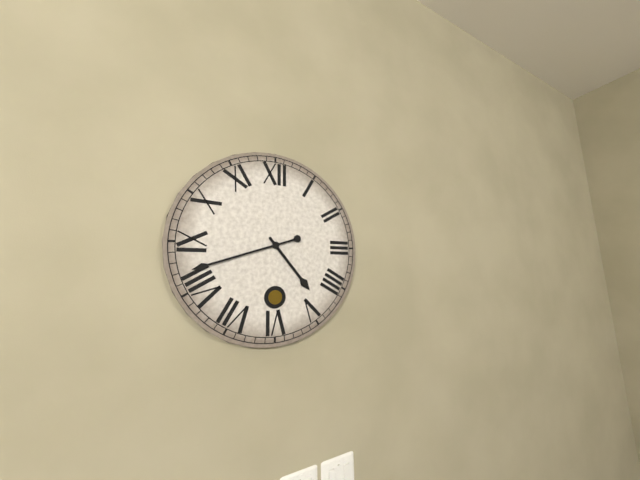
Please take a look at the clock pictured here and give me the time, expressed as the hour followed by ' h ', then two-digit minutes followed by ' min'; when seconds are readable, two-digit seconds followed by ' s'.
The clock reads 4 h 42 min
